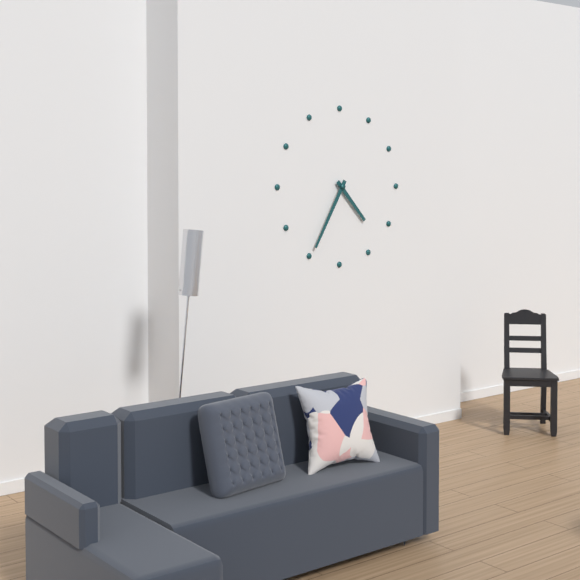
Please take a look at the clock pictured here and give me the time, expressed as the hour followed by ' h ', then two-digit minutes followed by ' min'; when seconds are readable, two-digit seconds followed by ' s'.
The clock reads 4 h 35 min
